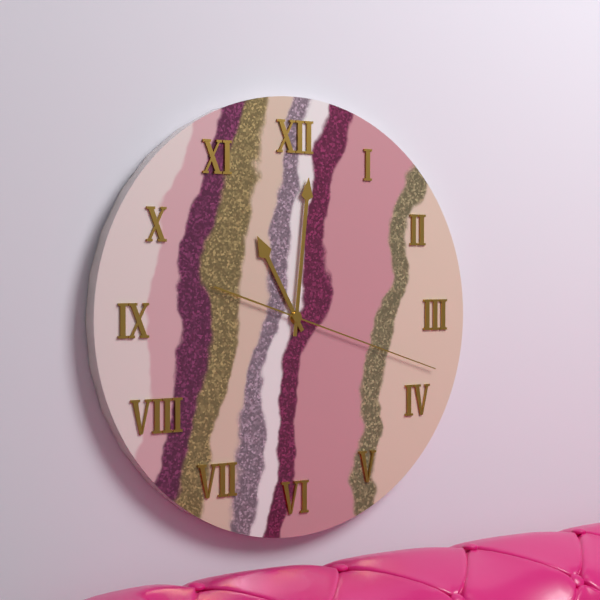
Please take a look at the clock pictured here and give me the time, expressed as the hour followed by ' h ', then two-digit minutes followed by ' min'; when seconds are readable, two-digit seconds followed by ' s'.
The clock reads 11 h 01 min 18 s
